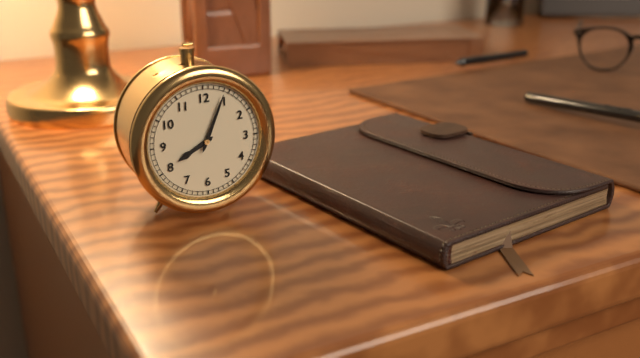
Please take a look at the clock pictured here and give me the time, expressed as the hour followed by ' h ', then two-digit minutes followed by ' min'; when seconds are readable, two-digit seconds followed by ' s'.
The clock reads 8 h 04 min
